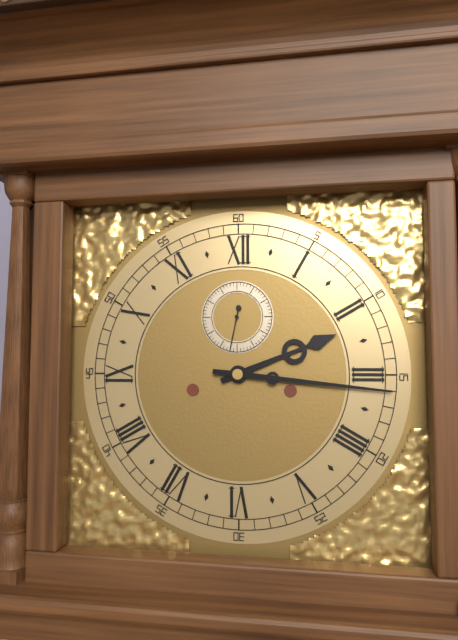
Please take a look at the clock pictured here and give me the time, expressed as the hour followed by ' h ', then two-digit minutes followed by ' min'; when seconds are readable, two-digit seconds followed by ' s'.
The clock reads 2 h 16 min
